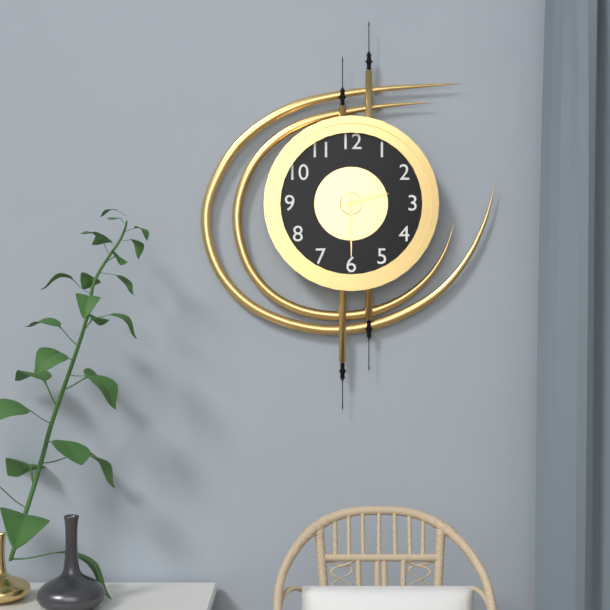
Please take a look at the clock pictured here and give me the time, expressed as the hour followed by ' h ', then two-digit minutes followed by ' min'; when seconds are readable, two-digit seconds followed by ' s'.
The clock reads 2 h 30 min
